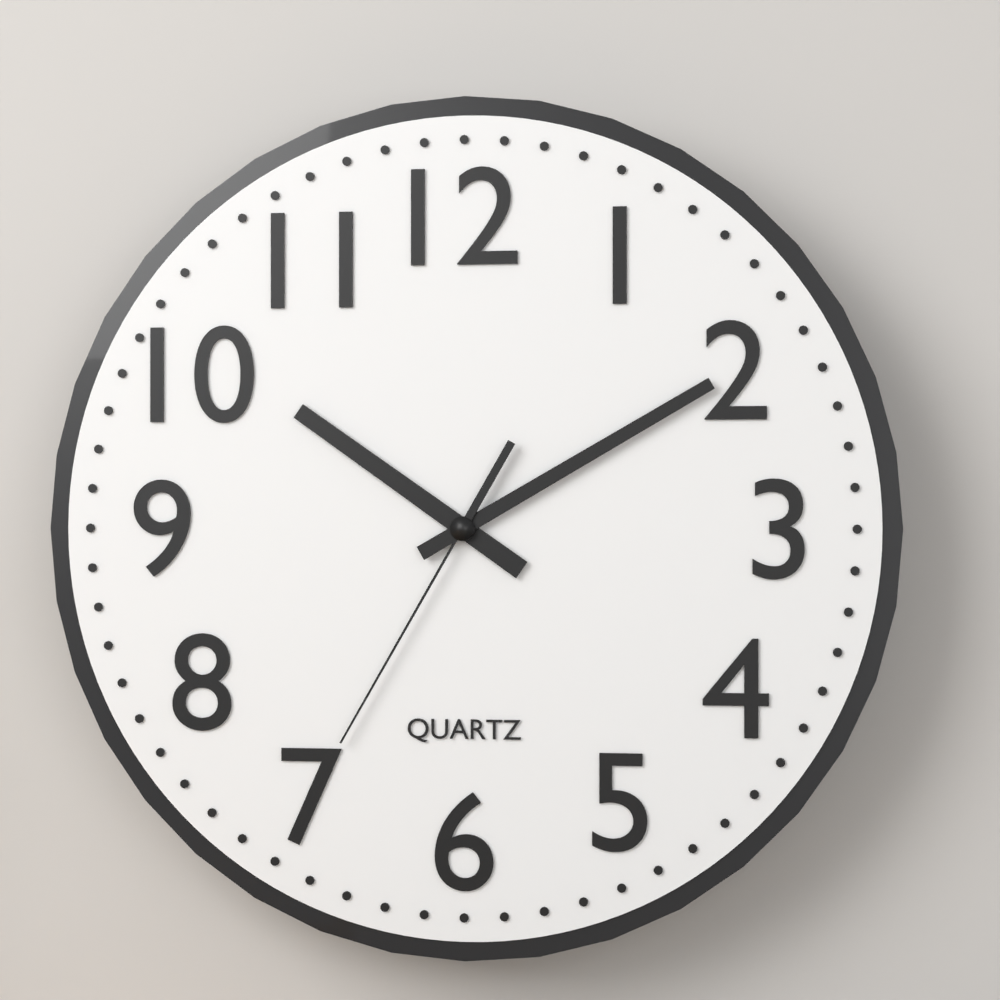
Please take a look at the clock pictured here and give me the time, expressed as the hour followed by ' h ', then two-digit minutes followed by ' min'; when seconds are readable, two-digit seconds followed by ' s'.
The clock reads 10 h 10 min 35 s
